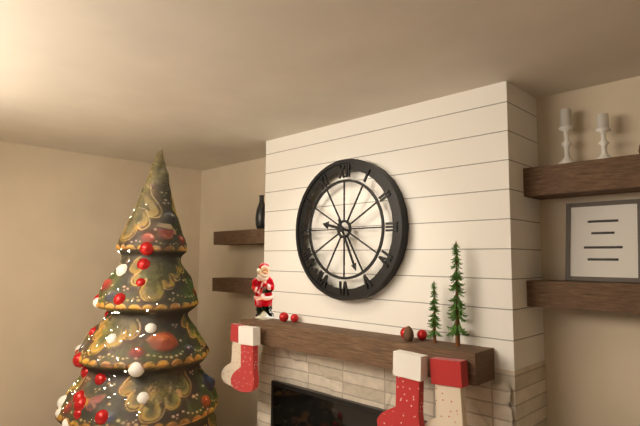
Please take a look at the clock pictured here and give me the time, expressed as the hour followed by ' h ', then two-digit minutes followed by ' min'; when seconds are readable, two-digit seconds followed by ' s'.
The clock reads 9 h 26 min
